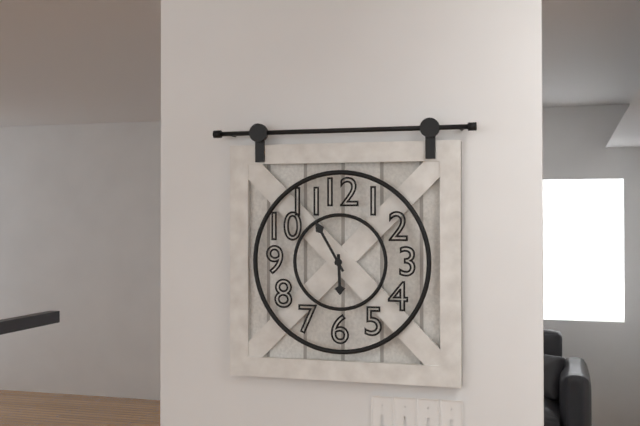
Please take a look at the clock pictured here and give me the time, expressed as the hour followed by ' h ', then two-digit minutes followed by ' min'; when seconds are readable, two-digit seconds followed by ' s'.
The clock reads 5 h 55 min
